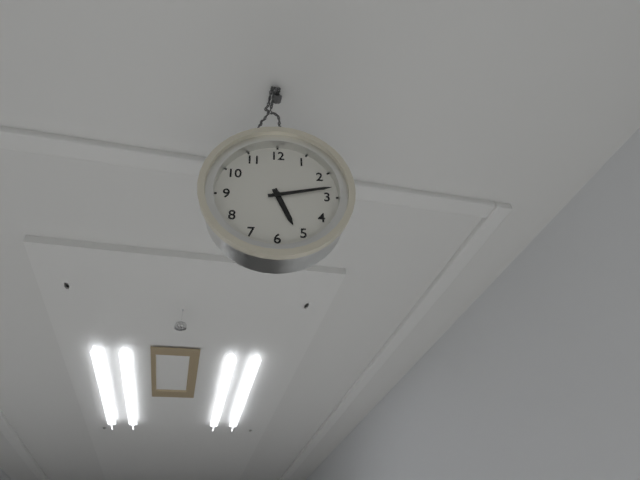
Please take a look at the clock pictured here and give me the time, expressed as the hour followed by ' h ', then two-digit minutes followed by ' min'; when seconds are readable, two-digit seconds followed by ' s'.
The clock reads 5 h 13 min
